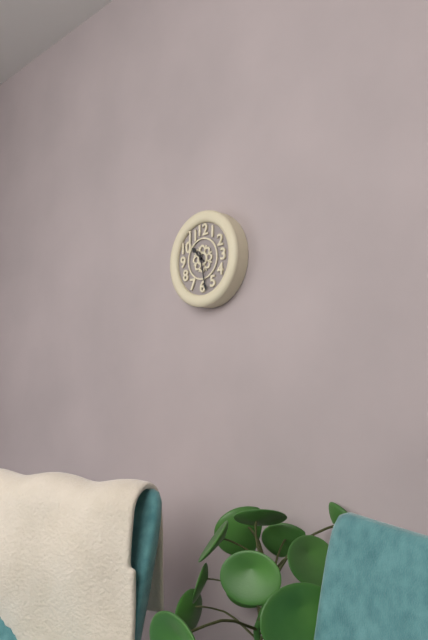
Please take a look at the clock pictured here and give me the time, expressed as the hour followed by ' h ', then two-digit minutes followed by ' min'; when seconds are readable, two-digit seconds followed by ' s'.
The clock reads 10 h 28 min
